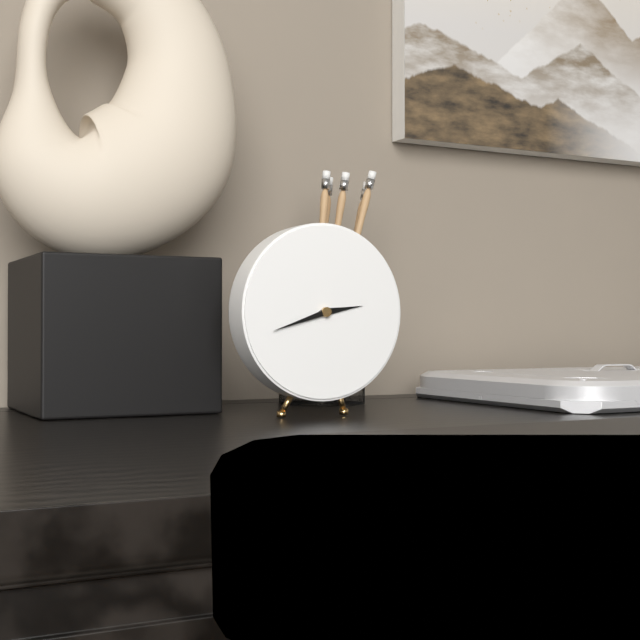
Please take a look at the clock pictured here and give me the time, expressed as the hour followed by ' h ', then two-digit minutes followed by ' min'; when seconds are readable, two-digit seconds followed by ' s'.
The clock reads 2 h 42 min
